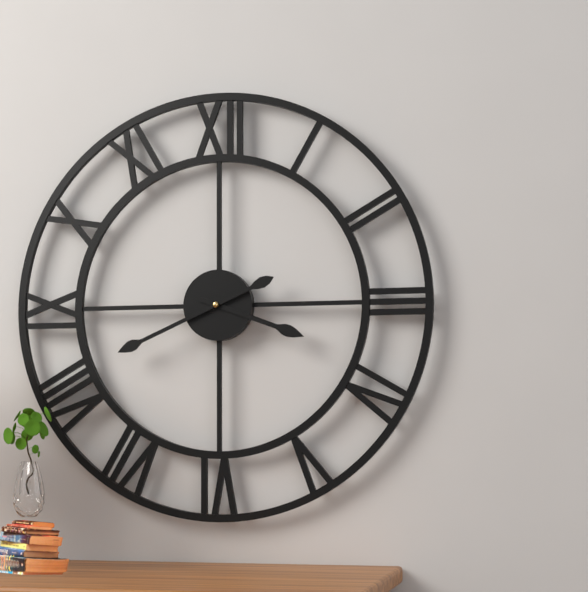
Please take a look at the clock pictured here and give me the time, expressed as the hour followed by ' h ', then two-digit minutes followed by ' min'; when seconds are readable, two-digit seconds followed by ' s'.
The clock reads 3 h 41 min
